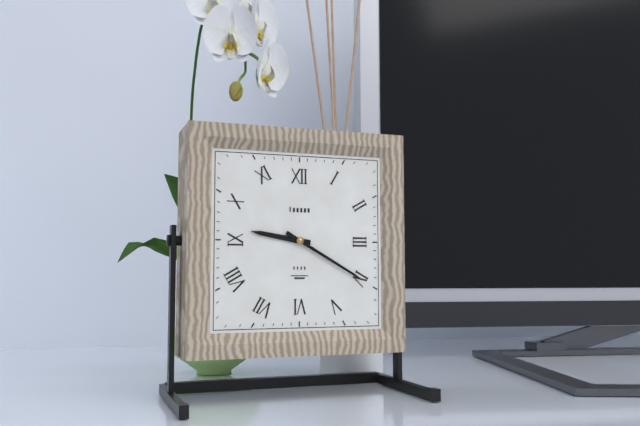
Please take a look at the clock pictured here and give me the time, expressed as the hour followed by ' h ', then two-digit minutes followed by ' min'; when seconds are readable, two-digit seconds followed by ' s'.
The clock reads 9 h 20 min
